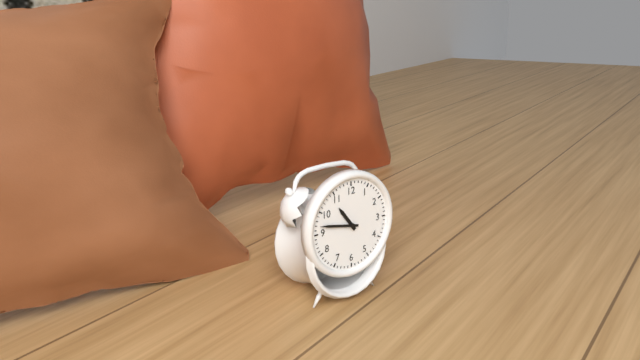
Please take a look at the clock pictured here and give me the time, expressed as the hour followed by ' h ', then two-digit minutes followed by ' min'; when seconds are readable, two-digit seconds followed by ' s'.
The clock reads 10 h 47 min
